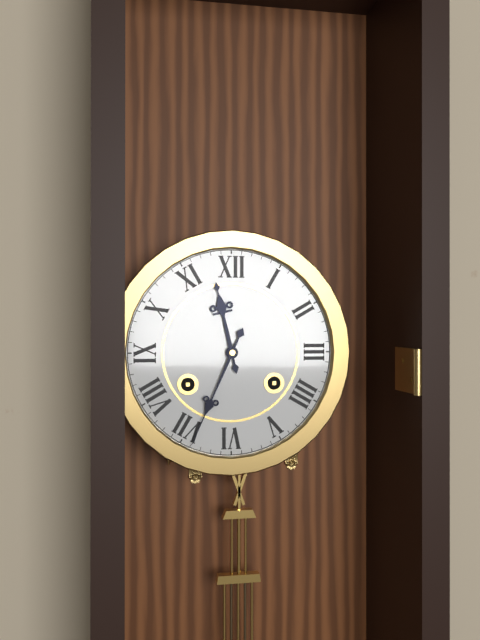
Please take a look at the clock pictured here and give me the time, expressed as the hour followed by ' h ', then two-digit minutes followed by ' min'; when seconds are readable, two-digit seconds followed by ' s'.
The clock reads 11 h 34 min
